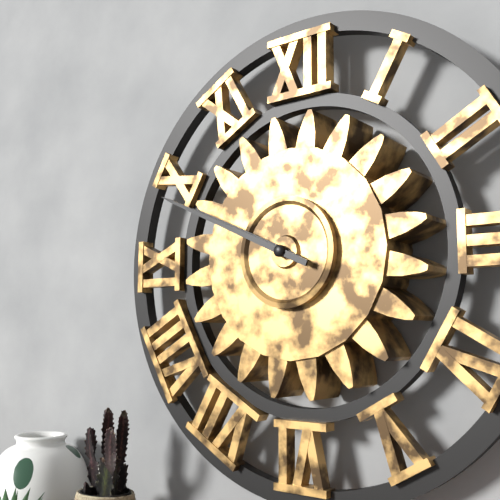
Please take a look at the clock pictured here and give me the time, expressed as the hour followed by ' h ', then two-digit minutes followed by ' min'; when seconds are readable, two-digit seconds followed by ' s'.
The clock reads 9 h 49 min
